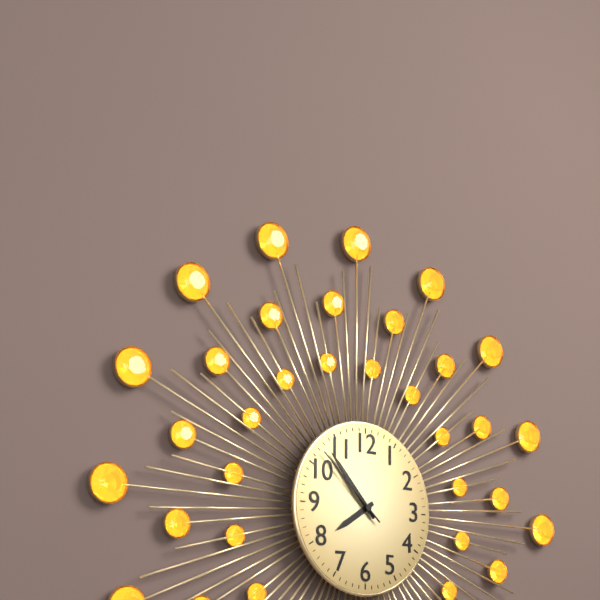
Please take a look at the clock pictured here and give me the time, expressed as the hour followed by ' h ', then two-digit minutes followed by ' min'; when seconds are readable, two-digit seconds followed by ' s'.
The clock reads 7 h 53 min 52 s
